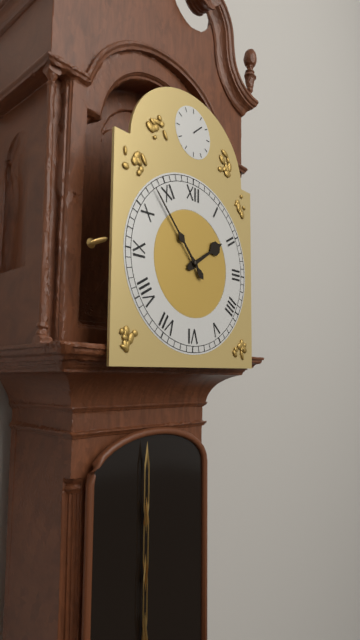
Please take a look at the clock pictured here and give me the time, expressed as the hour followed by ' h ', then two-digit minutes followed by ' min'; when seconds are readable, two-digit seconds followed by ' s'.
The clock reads 1 h 53 min
